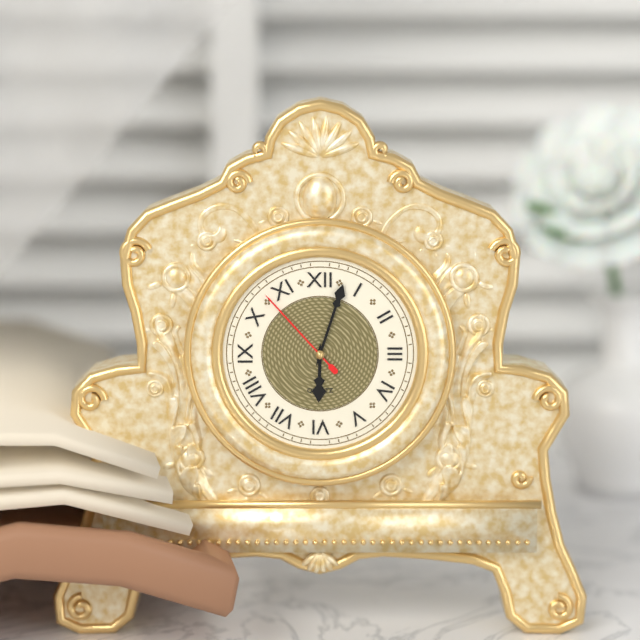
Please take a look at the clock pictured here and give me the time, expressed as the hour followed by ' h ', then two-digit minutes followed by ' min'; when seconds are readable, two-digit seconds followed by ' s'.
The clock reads 6 h 03 min 53 s
